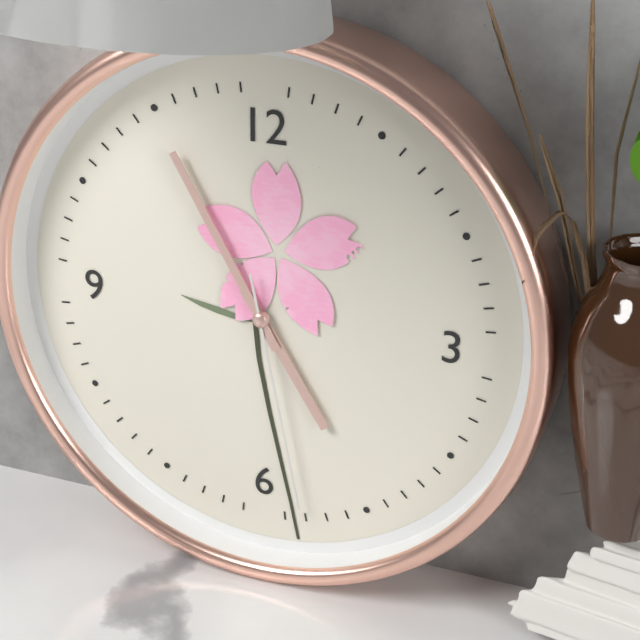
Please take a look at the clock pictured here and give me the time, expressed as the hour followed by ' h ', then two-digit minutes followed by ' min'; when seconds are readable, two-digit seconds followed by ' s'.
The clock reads 4 h 55 min 28 s
